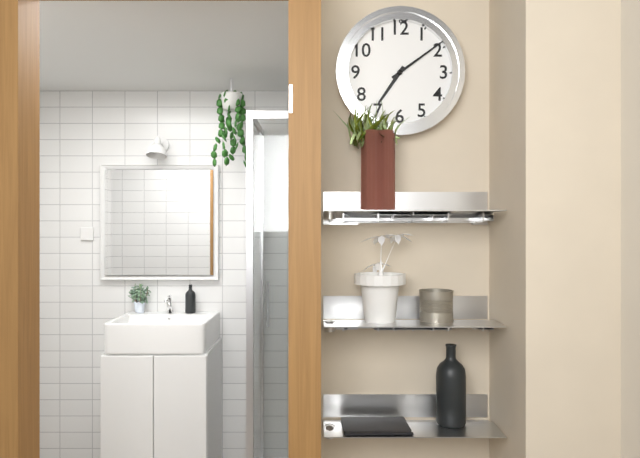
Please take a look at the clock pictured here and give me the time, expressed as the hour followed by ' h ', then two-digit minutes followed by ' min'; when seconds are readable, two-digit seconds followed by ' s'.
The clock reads 7 h 09 min
